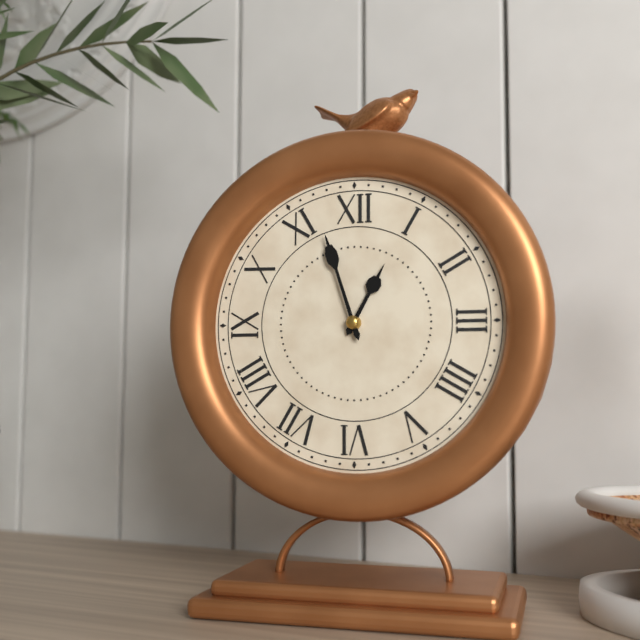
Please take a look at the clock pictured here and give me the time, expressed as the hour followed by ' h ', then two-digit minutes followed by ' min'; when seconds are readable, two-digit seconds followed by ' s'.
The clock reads 12 h 57 min
